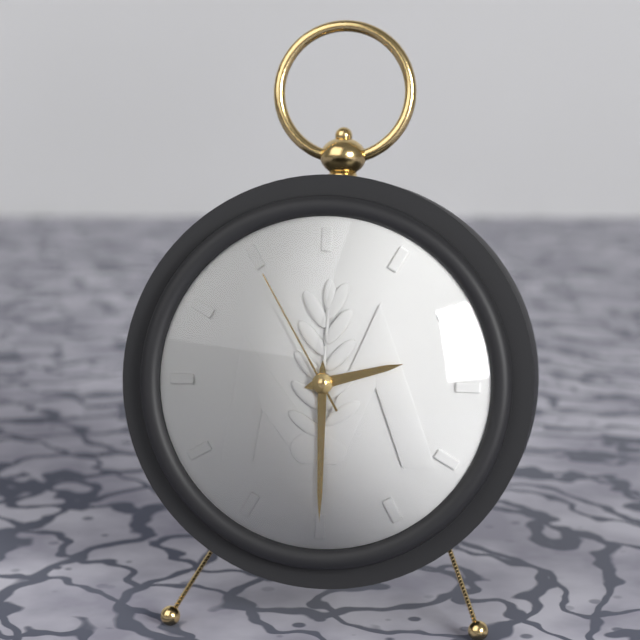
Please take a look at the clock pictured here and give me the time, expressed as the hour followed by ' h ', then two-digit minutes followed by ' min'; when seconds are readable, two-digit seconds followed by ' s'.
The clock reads 2 h 30 min 55 s
